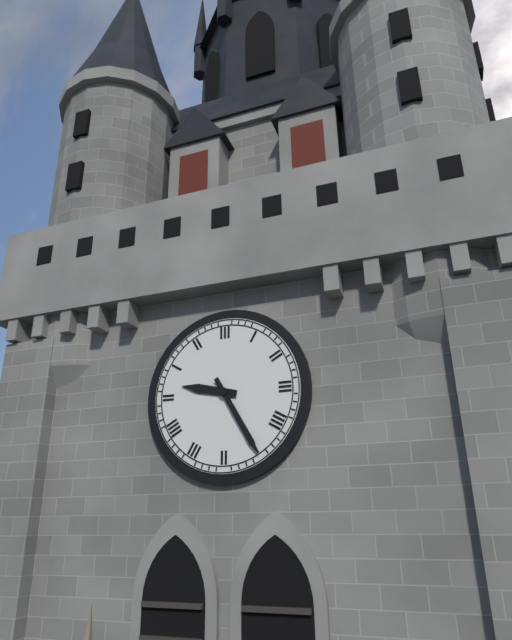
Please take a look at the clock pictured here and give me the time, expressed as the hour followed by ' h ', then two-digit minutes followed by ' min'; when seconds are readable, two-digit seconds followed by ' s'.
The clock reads 9 h 25 min
